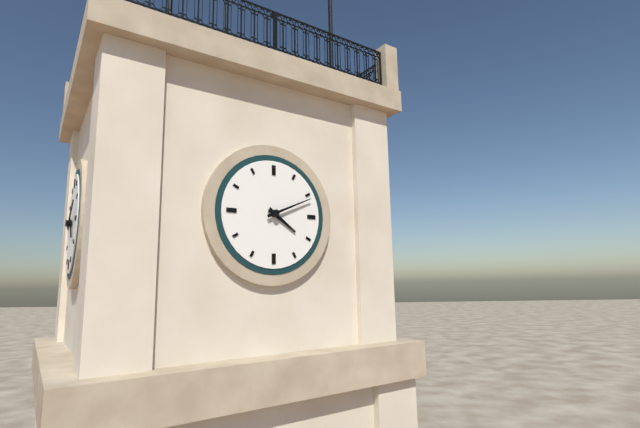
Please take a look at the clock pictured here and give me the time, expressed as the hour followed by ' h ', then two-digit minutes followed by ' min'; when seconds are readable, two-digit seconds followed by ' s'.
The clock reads 4 h 11 min
